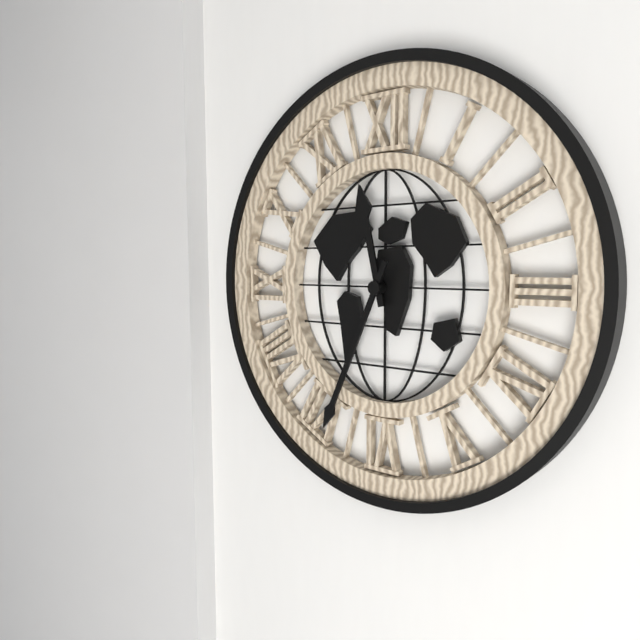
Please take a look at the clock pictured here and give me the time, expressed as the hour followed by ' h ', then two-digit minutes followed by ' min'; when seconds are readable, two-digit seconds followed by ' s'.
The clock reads 11 h 34 min
